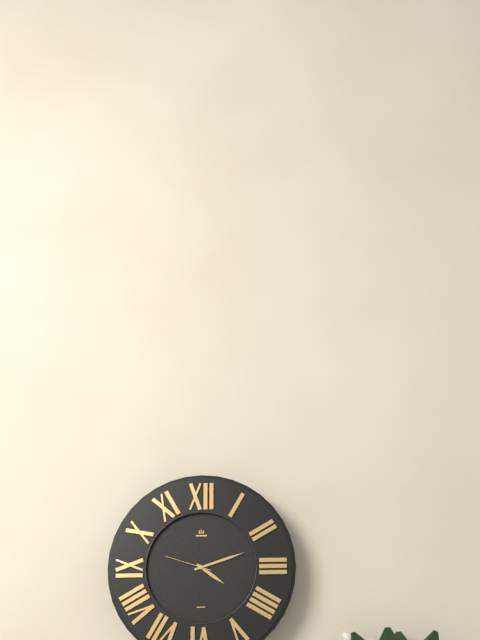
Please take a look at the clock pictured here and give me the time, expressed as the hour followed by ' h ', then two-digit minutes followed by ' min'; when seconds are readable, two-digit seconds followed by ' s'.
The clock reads 4 h 12 min 48 s
